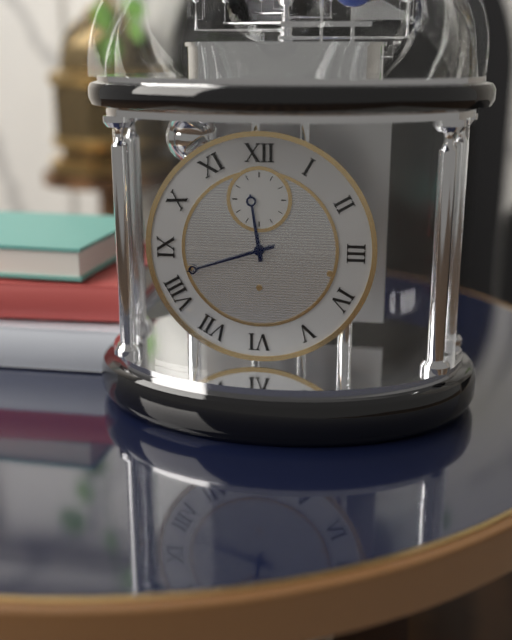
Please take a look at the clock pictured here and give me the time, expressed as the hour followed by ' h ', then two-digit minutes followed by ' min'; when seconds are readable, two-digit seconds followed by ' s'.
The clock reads 11 h 42 min
